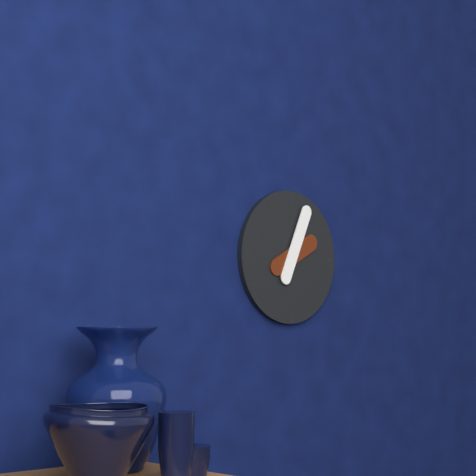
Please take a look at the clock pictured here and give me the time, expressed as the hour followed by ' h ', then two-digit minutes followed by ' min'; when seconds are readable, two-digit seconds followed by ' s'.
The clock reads 2 h 04 min
